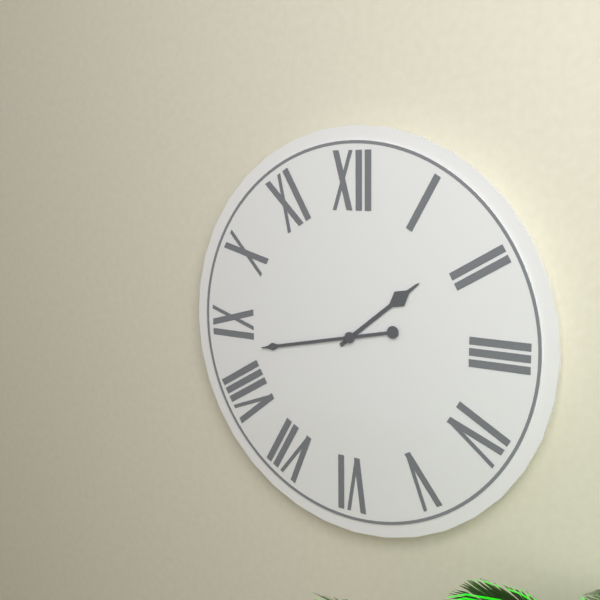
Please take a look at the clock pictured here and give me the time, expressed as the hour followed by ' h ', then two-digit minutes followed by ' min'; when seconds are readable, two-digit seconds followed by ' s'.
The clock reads 1 h 43 min
